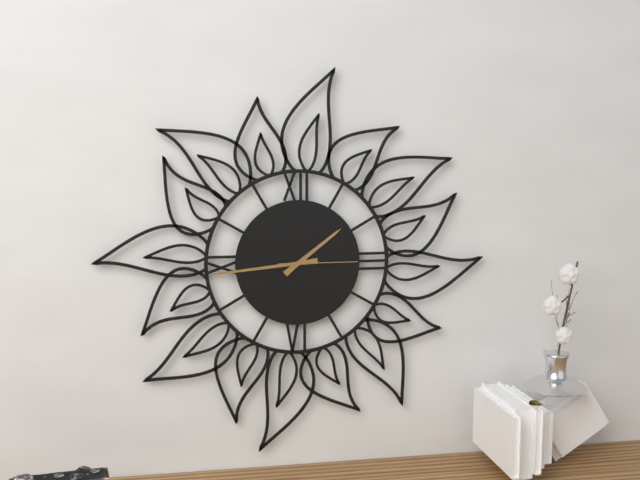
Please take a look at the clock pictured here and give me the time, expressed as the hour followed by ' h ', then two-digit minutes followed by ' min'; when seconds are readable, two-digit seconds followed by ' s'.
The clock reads 1 h 44 min 15 s
